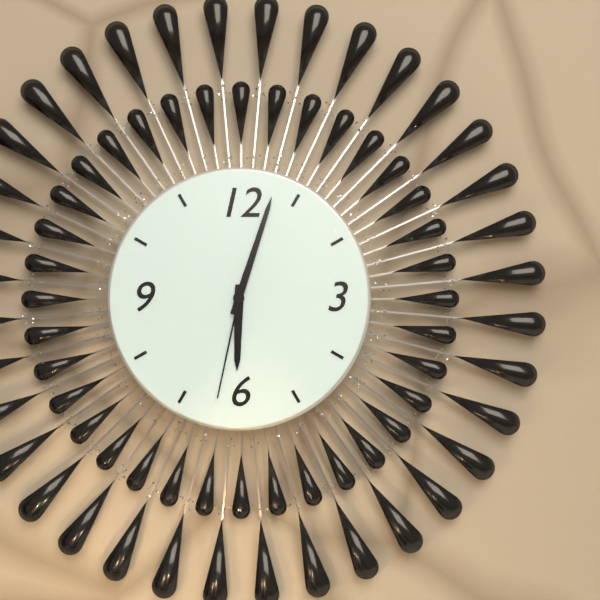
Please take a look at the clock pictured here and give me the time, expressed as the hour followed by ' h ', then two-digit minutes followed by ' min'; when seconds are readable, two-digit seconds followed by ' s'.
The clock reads 6 h 03 min 32 s
